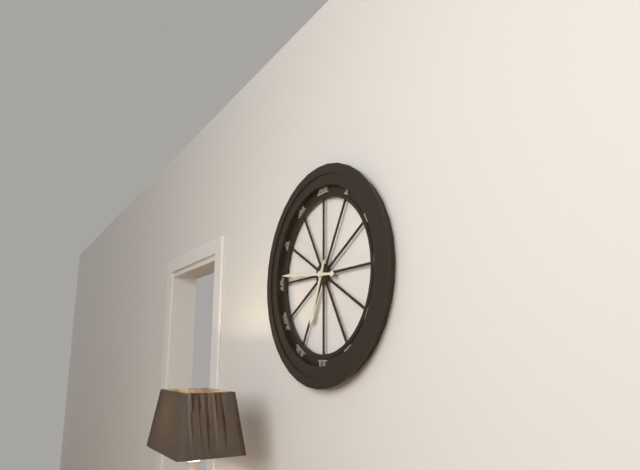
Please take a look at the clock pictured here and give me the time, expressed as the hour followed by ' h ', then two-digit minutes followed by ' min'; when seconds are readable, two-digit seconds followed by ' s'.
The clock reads 6 h 46 min
